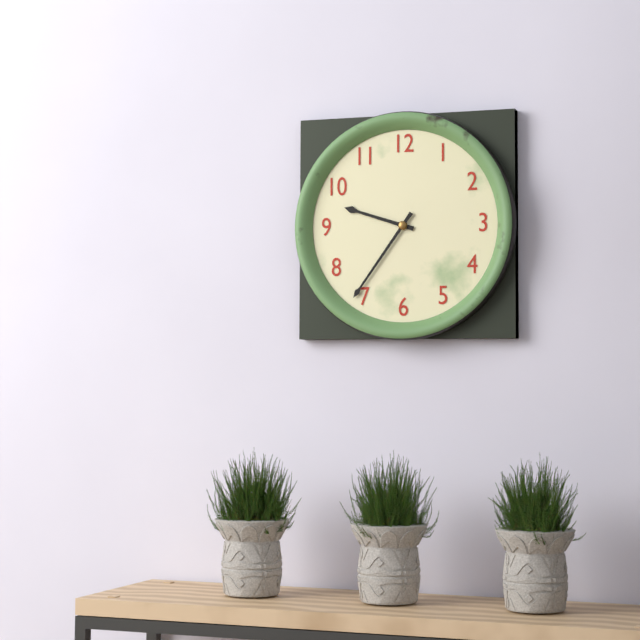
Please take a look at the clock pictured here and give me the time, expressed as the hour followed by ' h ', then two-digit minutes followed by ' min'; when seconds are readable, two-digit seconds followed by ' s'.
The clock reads 9 h 36 min
